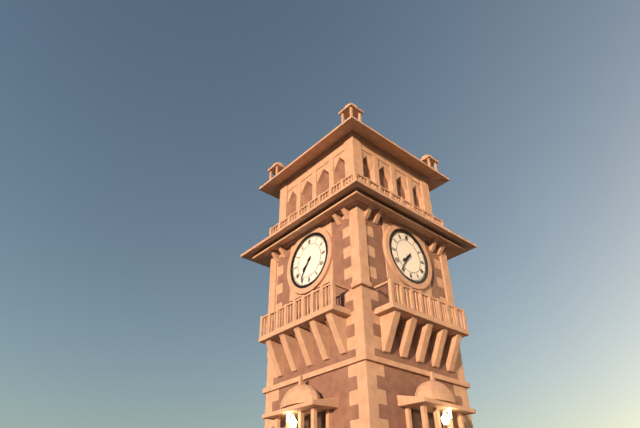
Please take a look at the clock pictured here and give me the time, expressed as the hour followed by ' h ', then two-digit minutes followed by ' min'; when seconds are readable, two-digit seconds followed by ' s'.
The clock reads 7 h 36 min
